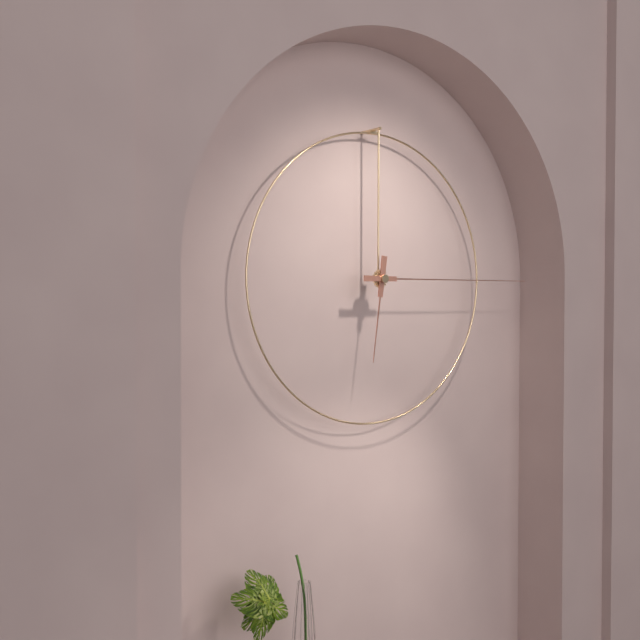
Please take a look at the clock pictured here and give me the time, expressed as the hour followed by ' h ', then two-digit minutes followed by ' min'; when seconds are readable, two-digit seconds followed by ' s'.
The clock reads 6 h 15 min
